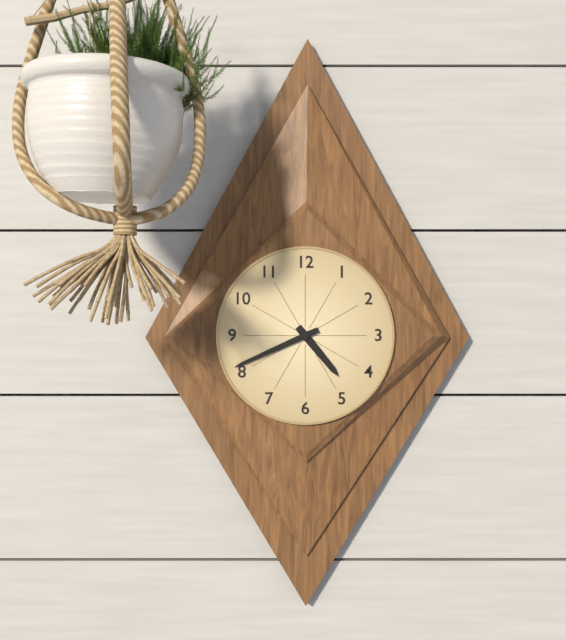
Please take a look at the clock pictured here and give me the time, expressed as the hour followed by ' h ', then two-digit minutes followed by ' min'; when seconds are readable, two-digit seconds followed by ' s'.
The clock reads 4 h 41 min
